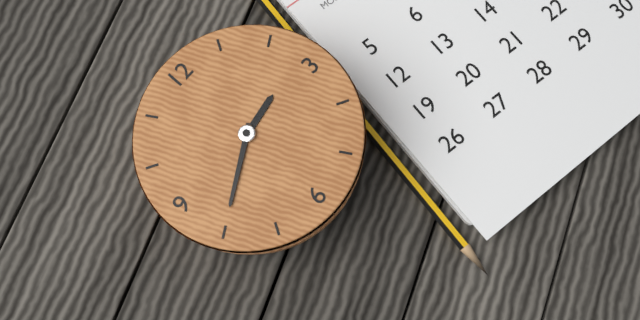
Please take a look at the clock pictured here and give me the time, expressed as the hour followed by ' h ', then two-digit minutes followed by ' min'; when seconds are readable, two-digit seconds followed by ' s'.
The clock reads 2 h 40 min
